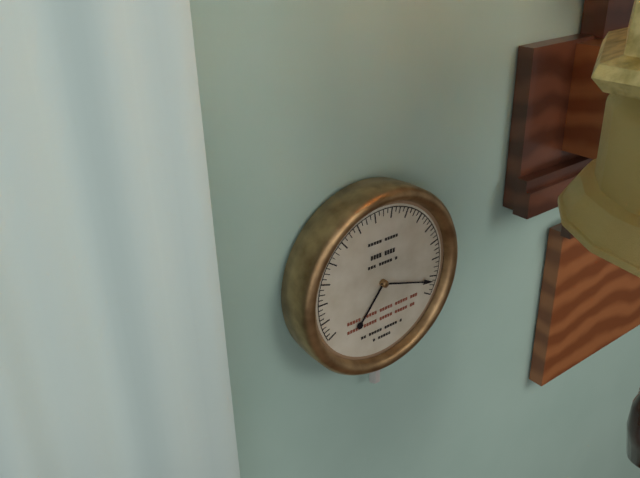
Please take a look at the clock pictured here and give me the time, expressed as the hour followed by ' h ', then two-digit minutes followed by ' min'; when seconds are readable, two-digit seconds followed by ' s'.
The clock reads 7 h 18 min
